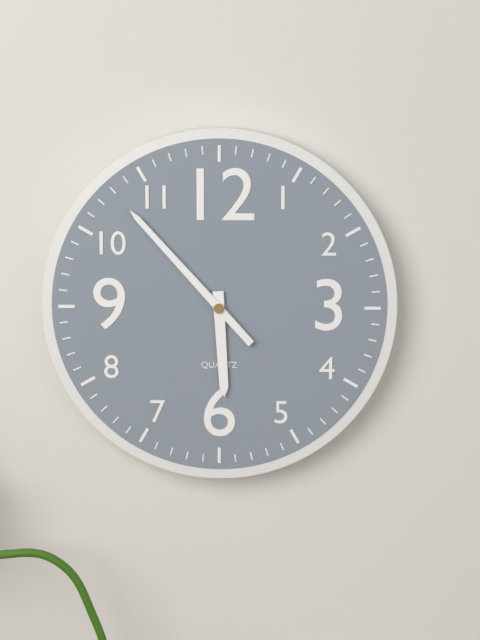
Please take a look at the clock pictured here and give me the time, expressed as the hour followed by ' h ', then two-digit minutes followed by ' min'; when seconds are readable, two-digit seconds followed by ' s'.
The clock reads 5 h 53 min
